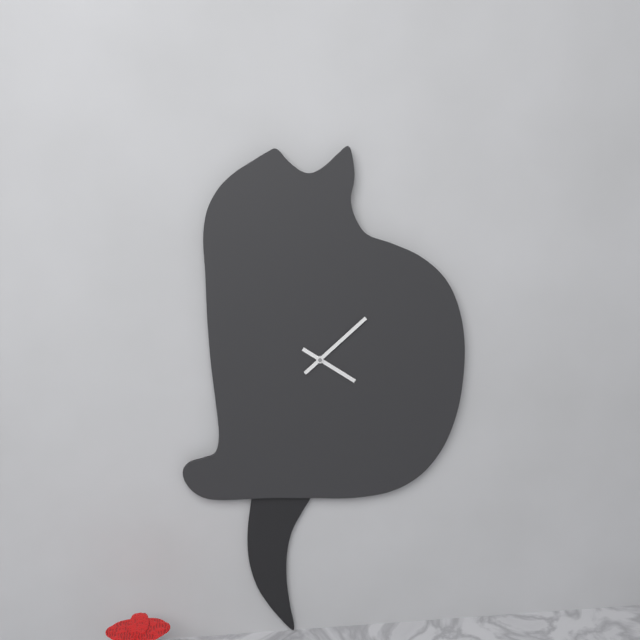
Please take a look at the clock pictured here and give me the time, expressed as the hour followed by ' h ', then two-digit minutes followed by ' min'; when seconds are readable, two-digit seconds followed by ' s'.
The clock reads 4 h 08 min
